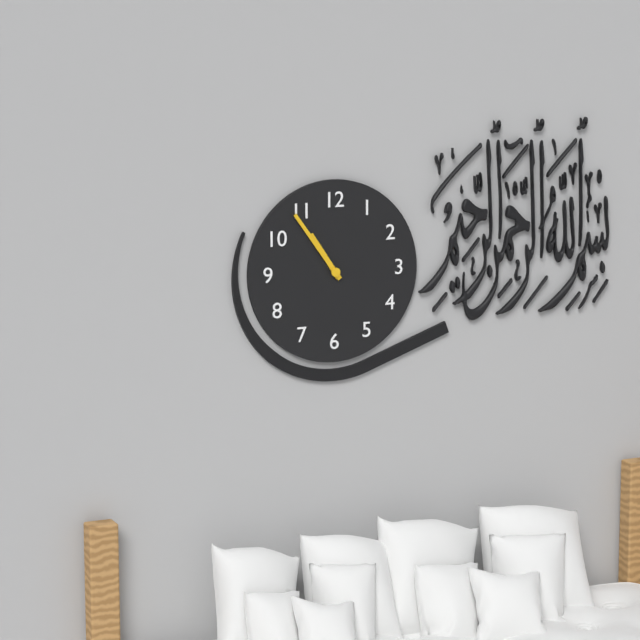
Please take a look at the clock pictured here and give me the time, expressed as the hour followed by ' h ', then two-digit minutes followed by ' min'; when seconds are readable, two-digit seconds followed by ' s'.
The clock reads 10 h 54 min
